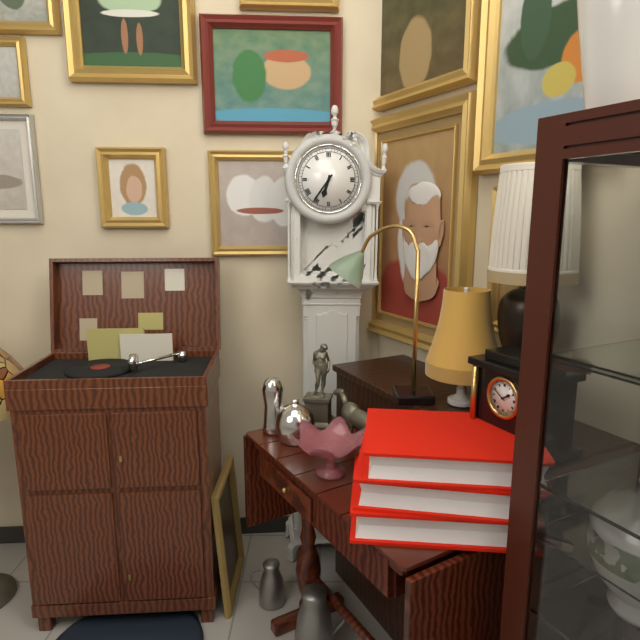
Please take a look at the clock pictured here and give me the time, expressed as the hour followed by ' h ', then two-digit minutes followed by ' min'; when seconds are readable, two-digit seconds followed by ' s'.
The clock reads 6 h 36 min
